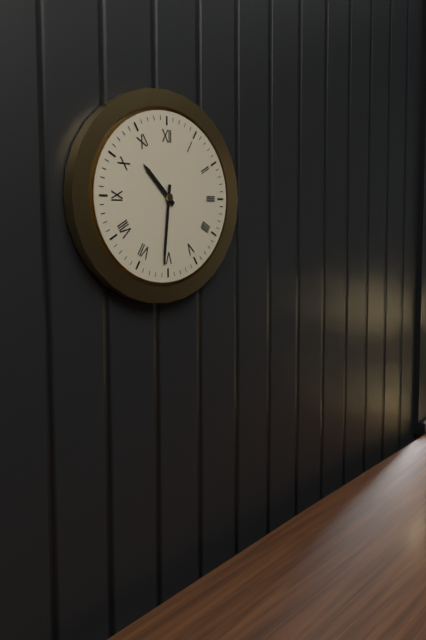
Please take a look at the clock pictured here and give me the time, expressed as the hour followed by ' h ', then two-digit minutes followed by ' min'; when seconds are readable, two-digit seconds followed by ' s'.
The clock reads 10 h 31 min
